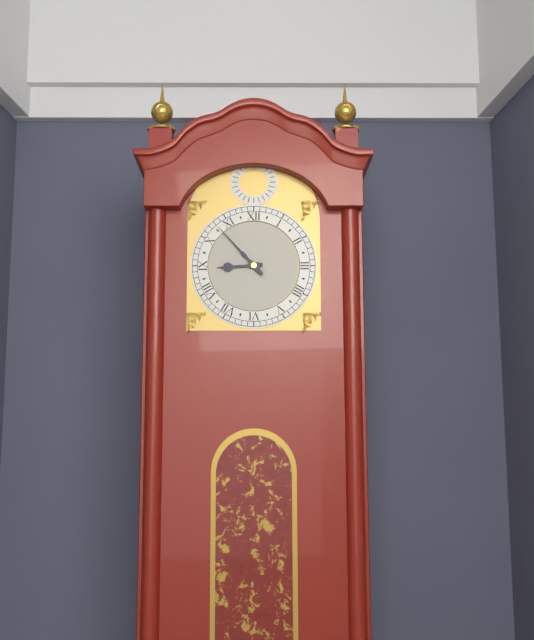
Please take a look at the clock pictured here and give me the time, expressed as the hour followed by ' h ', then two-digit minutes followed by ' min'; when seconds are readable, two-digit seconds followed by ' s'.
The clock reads 8 h 53 min
